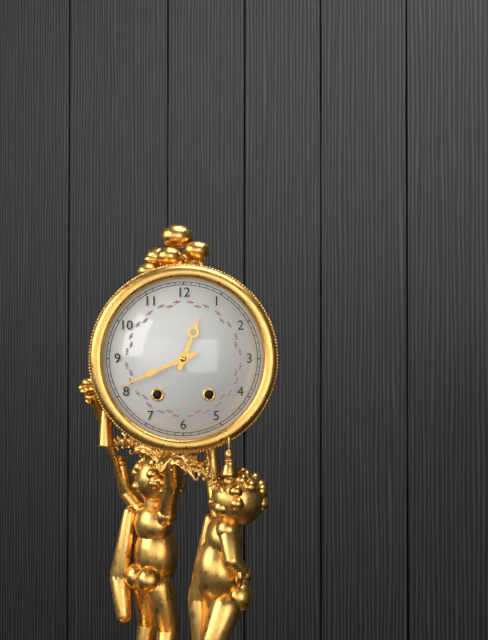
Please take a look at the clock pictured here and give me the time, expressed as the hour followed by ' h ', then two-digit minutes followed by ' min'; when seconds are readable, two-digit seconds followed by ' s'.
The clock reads 12 h 41 min
